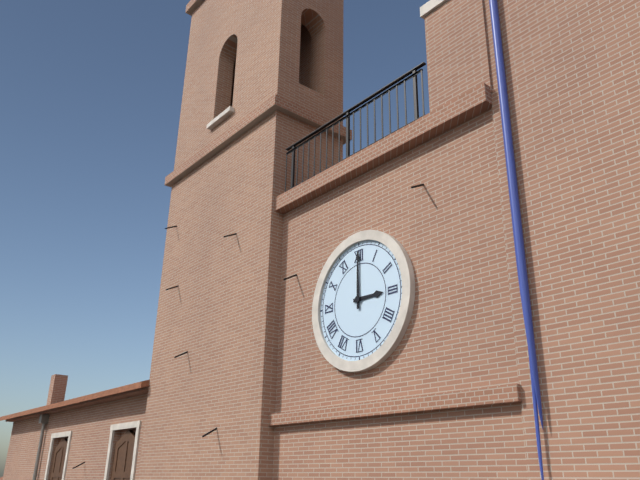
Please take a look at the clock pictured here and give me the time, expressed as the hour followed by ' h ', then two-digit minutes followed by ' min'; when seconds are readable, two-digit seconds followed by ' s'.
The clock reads 3 h 00 min
